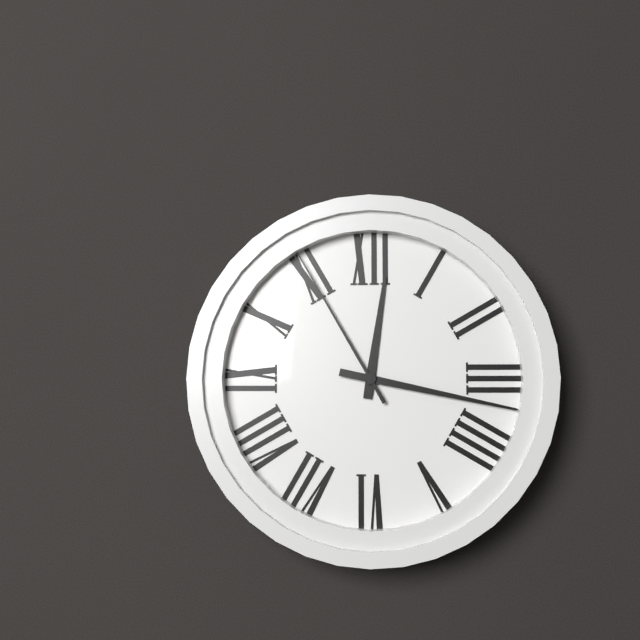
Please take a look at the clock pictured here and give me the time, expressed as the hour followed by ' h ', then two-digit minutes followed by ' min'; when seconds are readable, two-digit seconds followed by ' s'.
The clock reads 12 h 17 min 55 s
